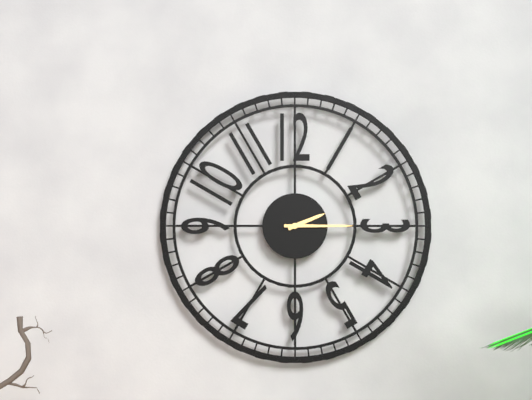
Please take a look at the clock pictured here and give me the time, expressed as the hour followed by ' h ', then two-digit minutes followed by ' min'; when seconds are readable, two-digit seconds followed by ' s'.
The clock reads 2 h 15 min
